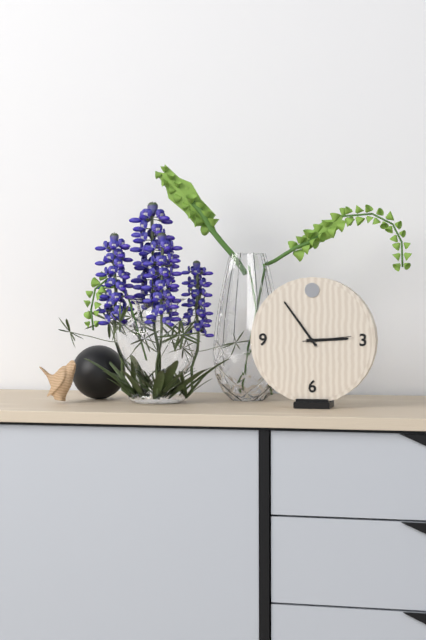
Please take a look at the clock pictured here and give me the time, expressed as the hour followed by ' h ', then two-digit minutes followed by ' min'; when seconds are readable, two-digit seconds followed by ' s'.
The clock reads 2 h 54 min
